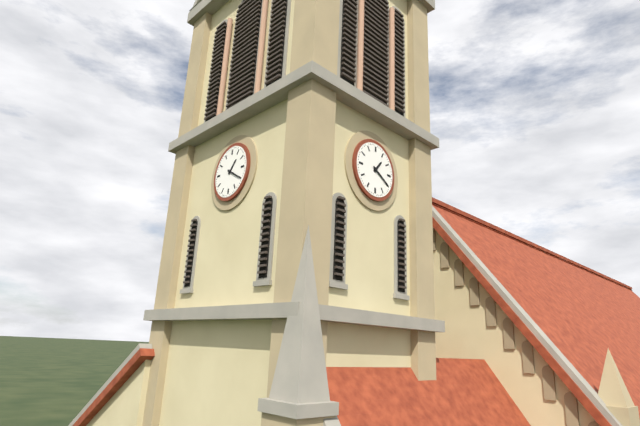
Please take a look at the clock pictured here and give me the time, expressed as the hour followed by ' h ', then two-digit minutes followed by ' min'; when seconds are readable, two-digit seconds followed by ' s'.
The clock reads 1 h 20 min
